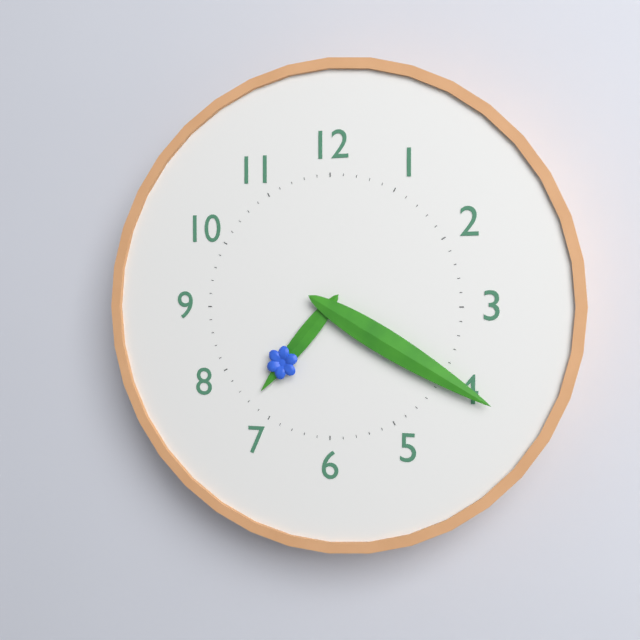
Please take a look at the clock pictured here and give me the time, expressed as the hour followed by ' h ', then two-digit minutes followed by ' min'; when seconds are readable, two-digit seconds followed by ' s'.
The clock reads 7 h 20 min
